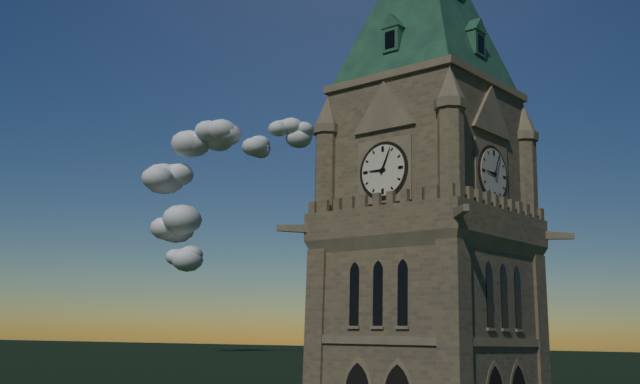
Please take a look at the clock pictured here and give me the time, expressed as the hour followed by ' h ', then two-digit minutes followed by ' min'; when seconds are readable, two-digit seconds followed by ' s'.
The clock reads 9 h 04 min
